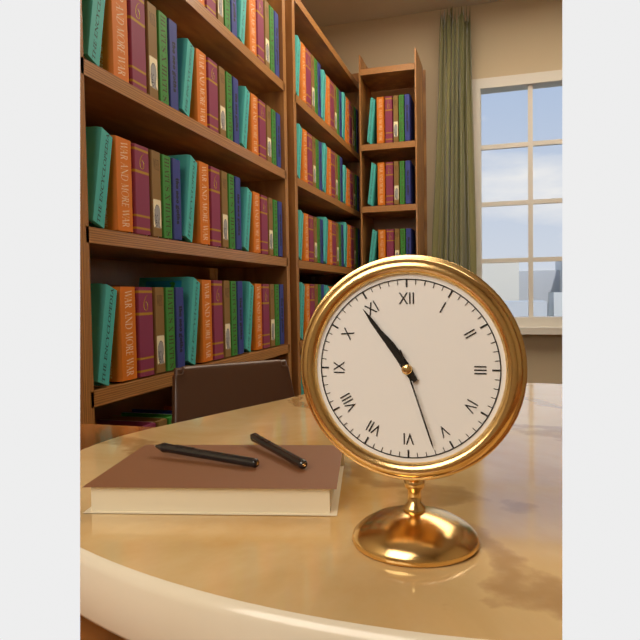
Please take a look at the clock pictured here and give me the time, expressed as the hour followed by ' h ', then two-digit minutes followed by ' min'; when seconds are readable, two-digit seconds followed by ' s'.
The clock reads 10 h 54 min 27 s
